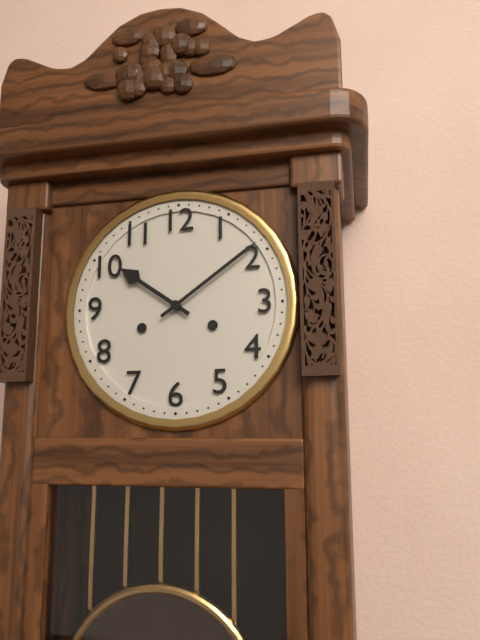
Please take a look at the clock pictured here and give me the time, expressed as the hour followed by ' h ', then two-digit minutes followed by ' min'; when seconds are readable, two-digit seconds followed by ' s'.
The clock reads 10 h 09 min
